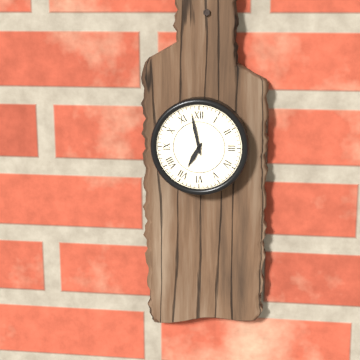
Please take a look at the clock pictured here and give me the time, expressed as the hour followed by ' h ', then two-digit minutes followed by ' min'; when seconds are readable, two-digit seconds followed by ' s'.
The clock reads 6 h 58 min
